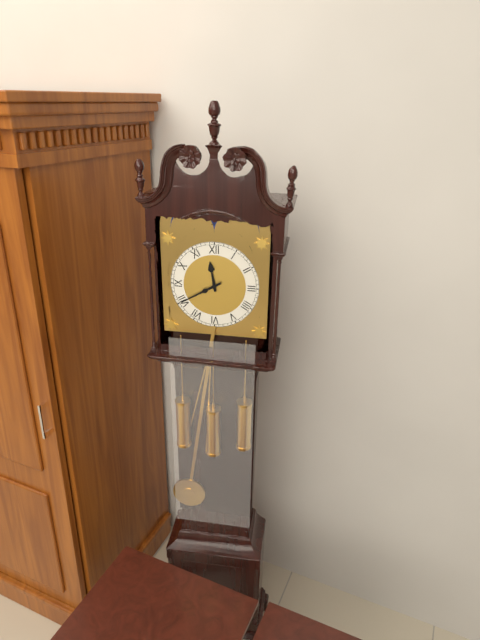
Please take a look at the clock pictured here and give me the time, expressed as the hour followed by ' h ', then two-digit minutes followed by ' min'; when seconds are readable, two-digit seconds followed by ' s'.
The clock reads 11 h 40 min
